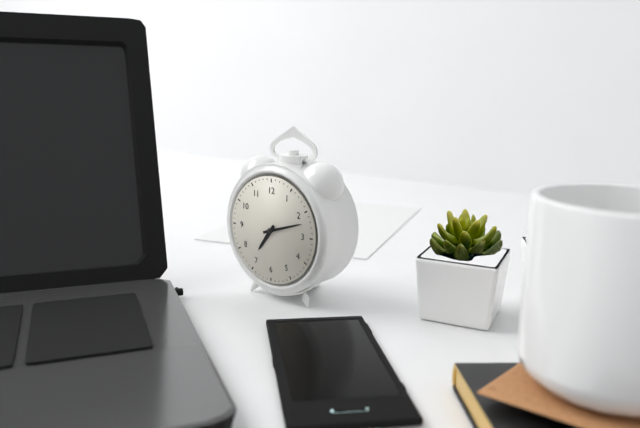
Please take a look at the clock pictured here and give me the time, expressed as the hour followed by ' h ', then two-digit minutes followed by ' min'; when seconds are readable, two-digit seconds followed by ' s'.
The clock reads 7 h 12 min
